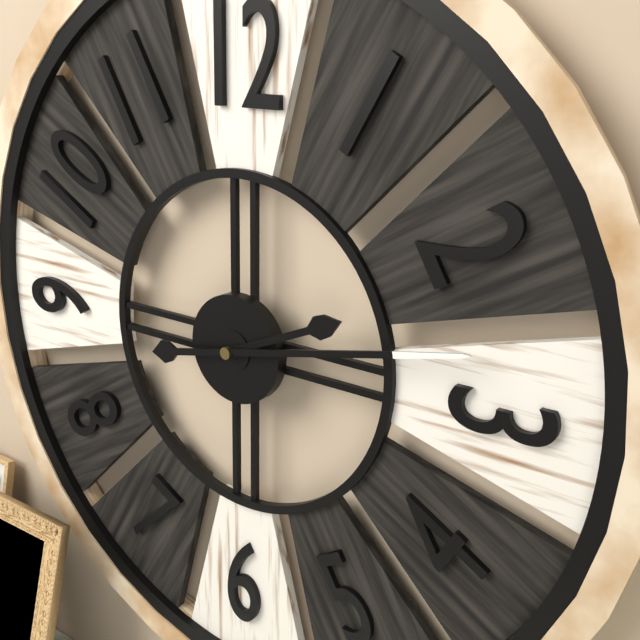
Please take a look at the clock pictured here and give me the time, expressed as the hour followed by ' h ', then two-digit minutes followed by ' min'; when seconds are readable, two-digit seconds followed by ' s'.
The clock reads 2 h 13 min
